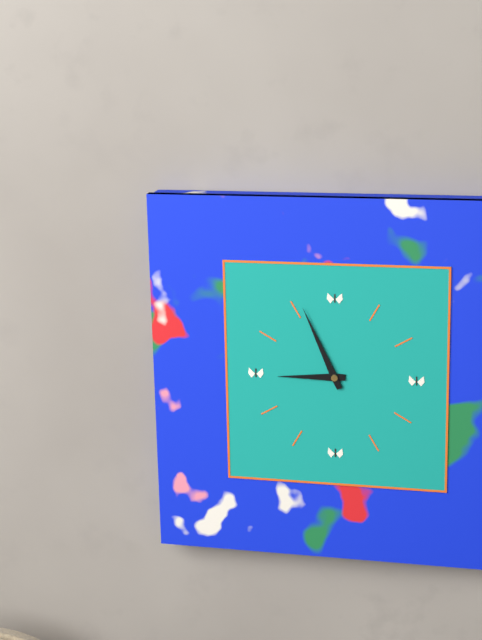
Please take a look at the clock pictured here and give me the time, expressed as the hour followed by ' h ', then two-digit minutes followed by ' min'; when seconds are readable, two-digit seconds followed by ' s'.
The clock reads 8 h 56 min
